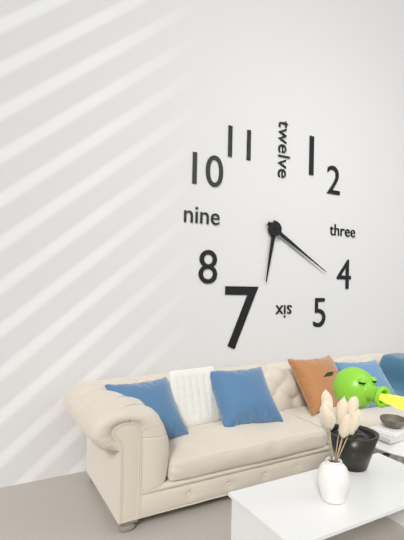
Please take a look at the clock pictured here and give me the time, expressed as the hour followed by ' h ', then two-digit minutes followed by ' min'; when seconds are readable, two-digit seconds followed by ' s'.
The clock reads 6 h 20 min
